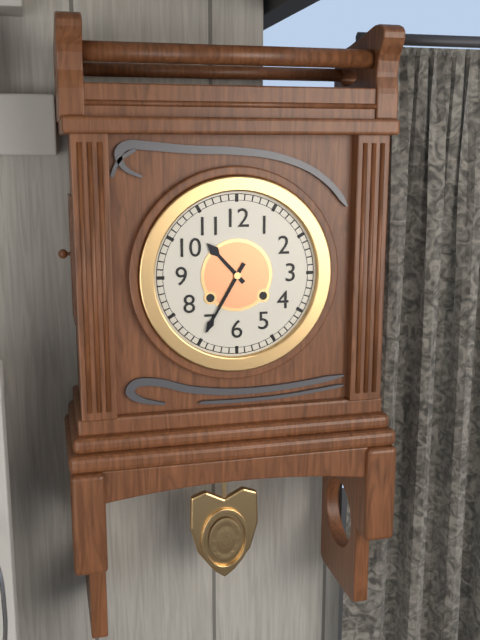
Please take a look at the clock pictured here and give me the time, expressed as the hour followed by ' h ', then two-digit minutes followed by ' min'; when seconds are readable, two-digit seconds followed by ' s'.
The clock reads 10 h 35 min
